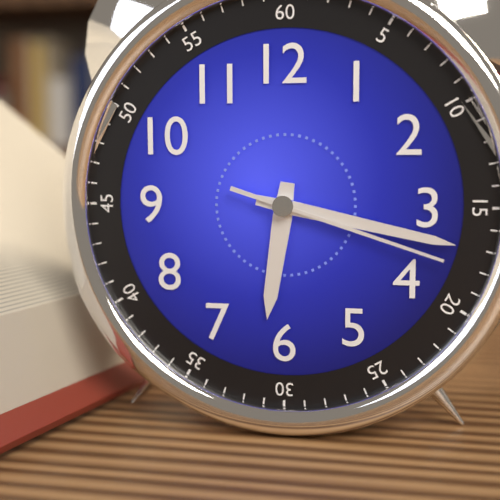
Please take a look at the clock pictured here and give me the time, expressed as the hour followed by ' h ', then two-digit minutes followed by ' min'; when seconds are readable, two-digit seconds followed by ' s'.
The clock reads 6 h 17 min 18 s
